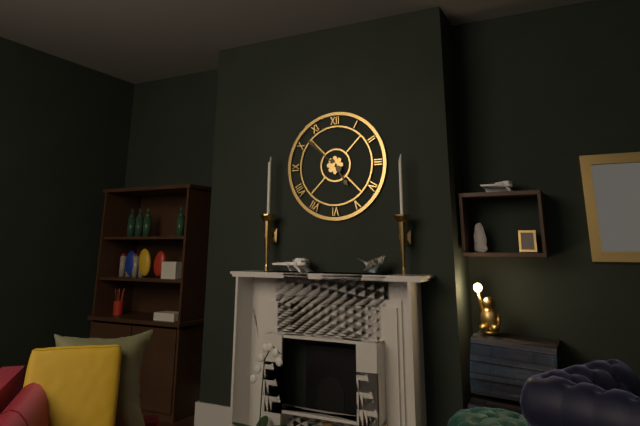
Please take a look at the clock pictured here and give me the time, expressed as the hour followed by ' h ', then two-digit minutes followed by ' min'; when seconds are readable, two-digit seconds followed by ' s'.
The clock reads 4 h 52 min
